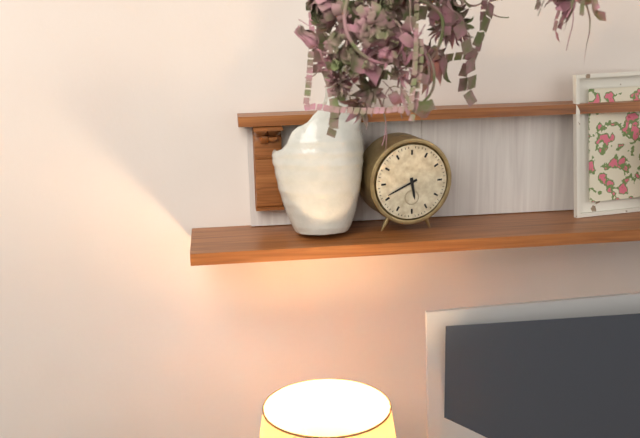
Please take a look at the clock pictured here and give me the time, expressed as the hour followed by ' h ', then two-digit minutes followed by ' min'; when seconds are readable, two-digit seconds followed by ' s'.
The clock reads 5 h 41 min
